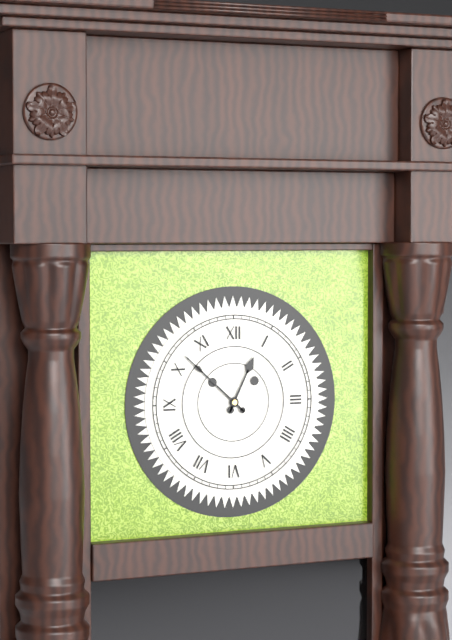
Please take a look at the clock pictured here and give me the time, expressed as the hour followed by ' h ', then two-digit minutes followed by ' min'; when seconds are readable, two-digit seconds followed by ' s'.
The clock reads 12 h 52 min
